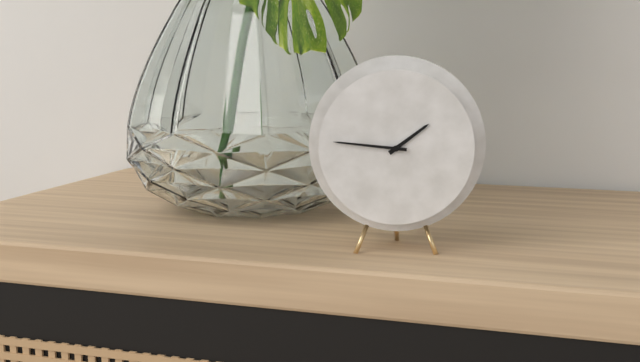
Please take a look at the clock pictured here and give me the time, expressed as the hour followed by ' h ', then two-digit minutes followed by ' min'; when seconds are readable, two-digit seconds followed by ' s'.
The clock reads 1 h 46 min
